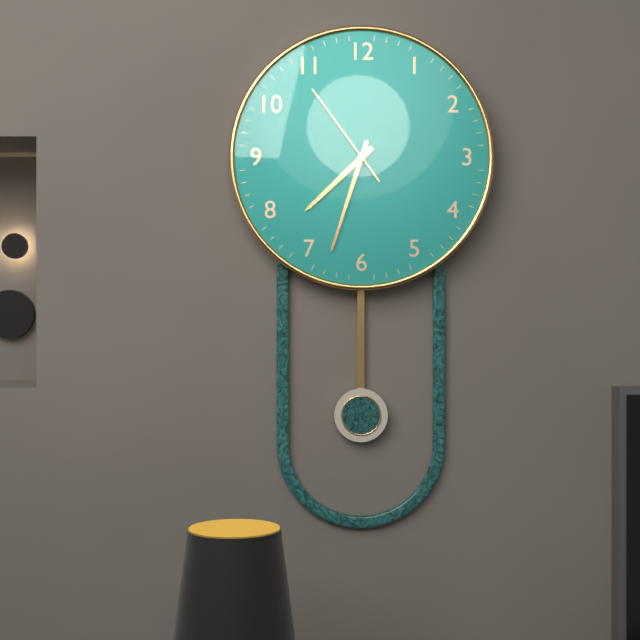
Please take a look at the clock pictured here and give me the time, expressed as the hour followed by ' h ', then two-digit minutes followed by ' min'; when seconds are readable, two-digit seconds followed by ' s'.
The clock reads 7 h 33 min 54 s
